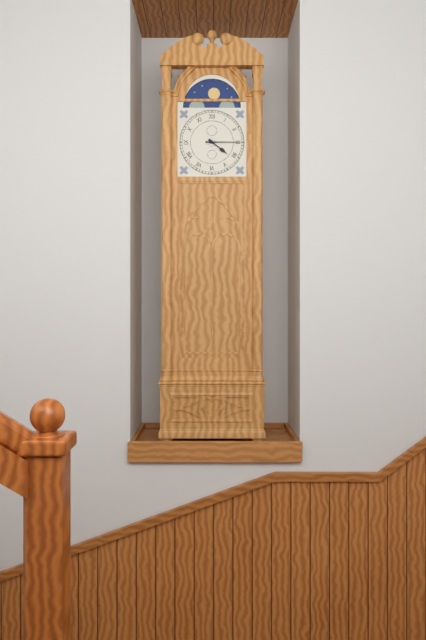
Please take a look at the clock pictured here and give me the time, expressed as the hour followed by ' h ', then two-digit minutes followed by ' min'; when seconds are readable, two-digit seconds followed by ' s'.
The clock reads 4 h 15 min
